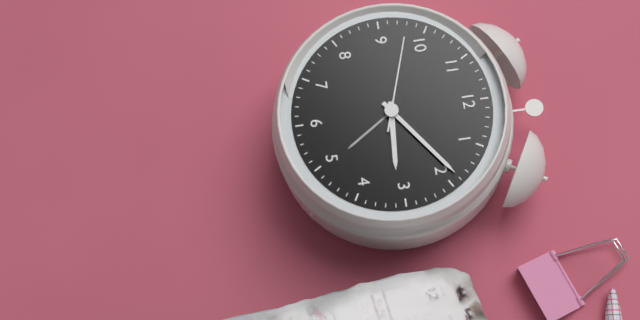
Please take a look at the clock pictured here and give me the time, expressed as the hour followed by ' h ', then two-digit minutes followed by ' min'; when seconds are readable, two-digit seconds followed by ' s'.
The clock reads 3 h 09 min 48 s
